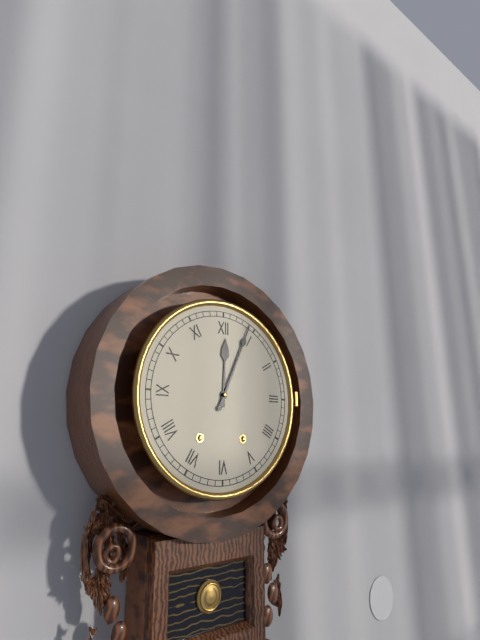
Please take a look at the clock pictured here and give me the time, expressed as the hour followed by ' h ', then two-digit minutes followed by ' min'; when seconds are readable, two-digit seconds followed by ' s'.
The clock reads 12 h 04 min
